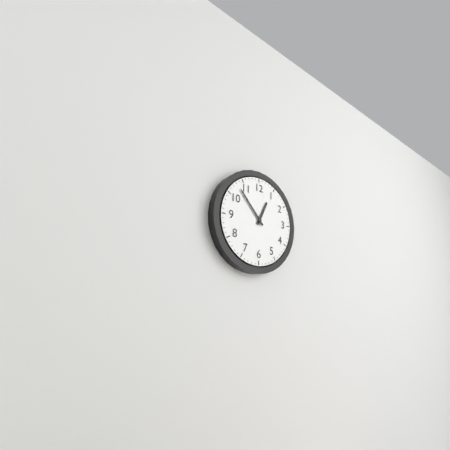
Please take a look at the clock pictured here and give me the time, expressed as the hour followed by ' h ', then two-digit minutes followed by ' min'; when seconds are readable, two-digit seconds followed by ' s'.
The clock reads 12 h 53 min
